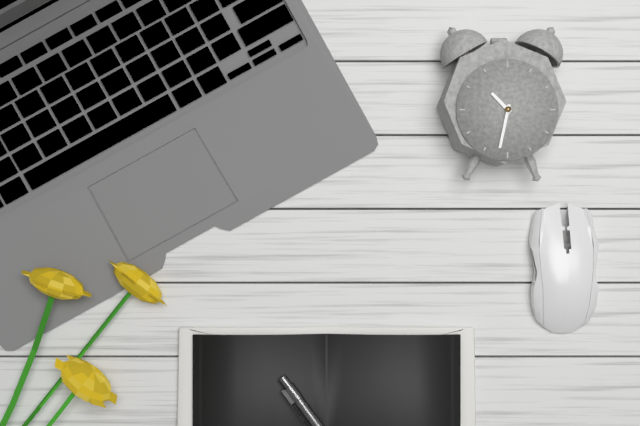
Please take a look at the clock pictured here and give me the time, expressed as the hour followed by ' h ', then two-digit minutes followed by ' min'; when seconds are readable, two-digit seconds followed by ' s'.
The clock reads 10 h 32 min
